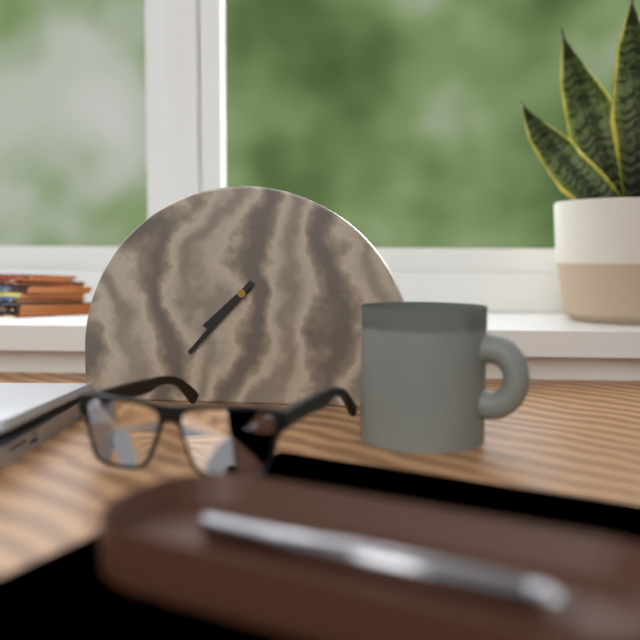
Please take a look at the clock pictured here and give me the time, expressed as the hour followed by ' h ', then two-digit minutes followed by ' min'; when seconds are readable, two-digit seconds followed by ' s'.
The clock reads 7 h 37 min
